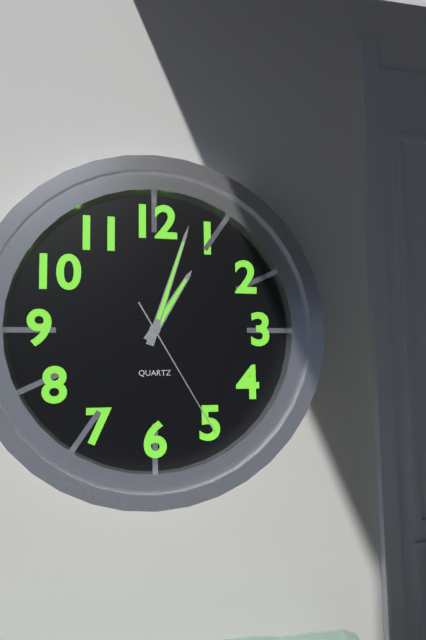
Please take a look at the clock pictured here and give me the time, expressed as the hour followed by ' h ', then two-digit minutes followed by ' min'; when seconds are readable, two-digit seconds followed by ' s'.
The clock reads 1 h 03 min 25 s
